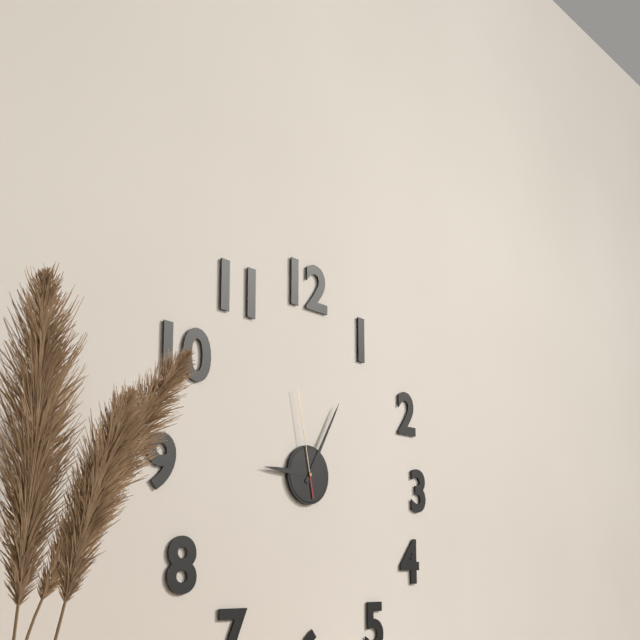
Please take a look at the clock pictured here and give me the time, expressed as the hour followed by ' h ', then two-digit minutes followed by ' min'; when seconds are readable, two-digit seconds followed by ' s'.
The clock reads 9 h 05 min 58 s
